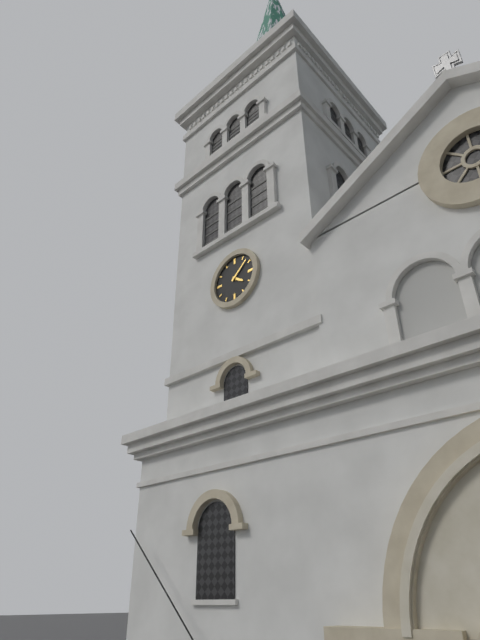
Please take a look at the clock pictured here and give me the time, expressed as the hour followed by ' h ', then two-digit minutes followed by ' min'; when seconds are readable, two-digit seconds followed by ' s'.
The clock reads 4 h 08 min
